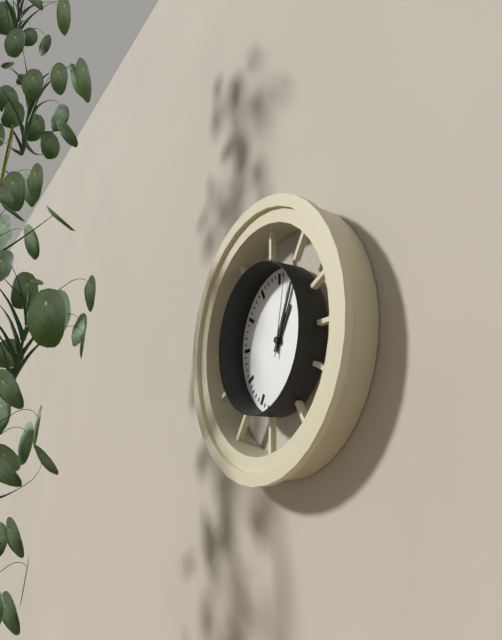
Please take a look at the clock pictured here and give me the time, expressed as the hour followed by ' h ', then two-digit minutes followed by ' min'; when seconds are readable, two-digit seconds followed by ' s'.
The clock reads 1 h 04 min 02 s
